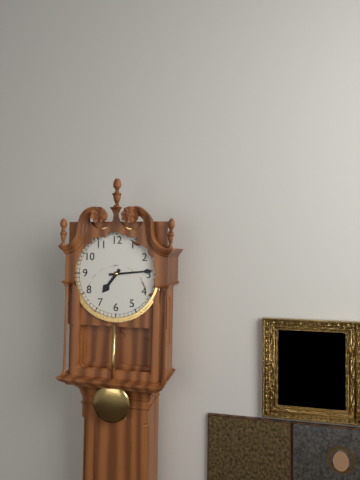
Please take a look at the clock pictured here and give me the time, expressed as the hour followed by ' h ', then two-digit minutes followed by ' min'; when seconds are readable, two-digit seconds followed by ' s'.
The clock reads 7 h 14 min
